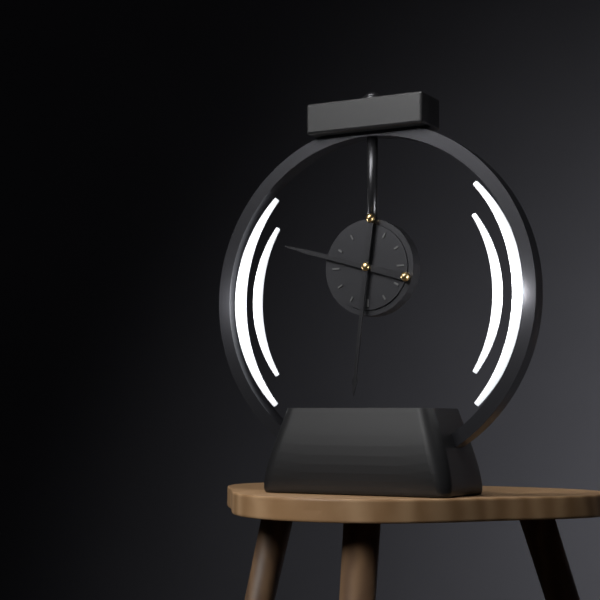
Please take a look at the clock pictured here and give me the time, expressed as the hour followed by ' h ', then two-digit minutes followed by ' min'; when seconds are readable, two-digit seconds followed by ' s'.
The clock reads 9 h 31 min
